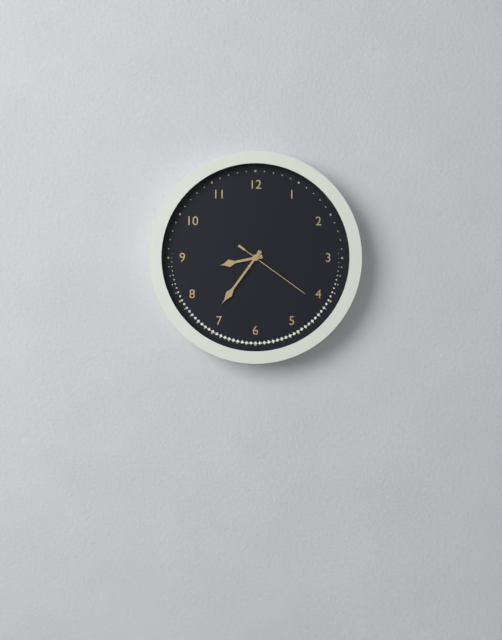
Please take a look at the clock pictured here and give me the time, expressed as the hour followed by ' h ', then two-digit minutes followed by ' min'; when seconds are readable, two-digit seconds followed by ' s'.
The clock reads 8 h 36 min 21 s
